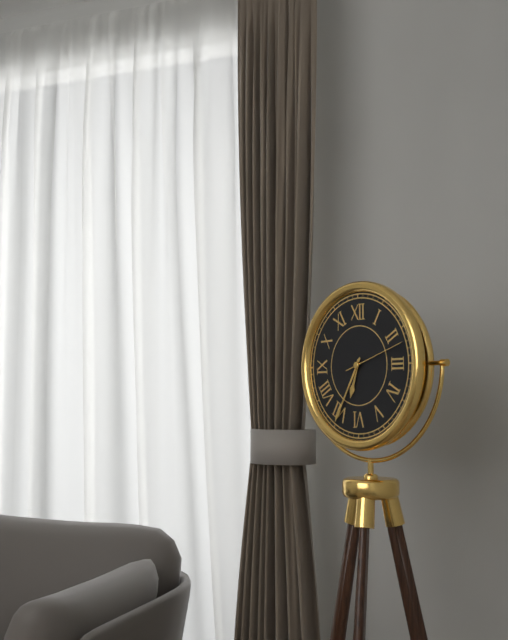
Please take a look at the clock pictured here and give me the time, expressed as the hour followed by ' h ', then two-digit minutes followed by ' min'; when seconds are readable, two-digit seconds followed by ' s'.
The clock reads 6 h 35 min 12 s
